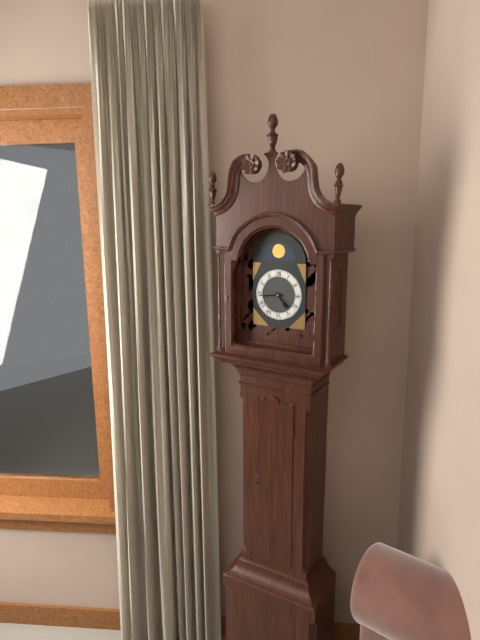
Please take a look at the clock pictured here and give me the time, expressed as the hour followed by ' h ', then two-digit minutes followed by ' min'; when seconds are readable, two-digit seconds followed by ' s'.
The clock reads 4 h 44 min
